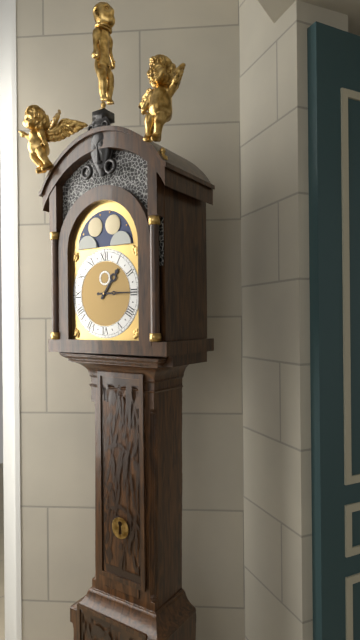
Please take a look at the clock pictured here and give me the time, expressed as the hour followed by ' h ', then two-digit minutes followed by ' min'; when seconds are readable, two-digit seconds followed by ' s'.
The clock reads 1 h 15 min
